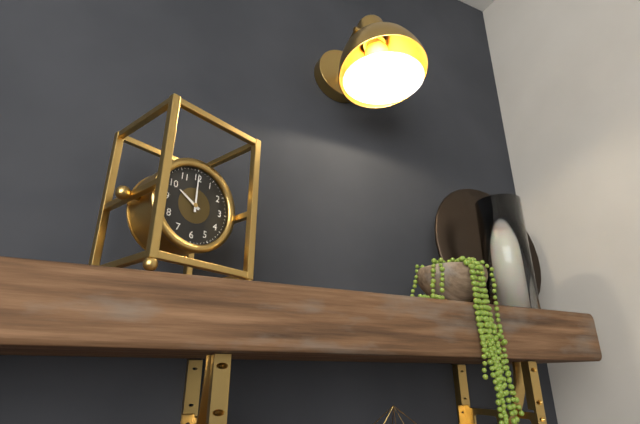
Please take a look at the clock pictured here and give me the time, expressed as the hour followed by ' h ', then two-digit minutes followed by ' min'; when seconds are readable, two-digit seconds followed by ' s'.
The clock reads 10 h 00 min
